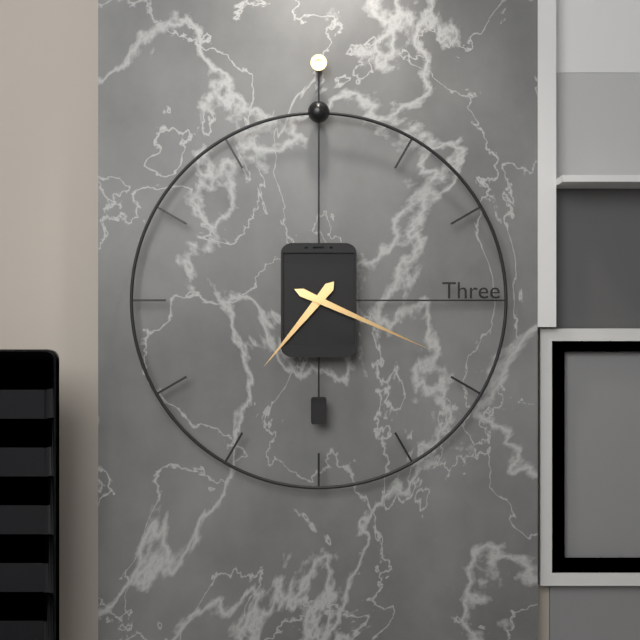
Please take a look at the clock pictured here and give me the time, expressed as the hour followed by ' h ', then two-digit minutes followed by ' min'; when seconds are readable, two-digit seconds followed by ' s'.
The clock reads 7 h 19 min
